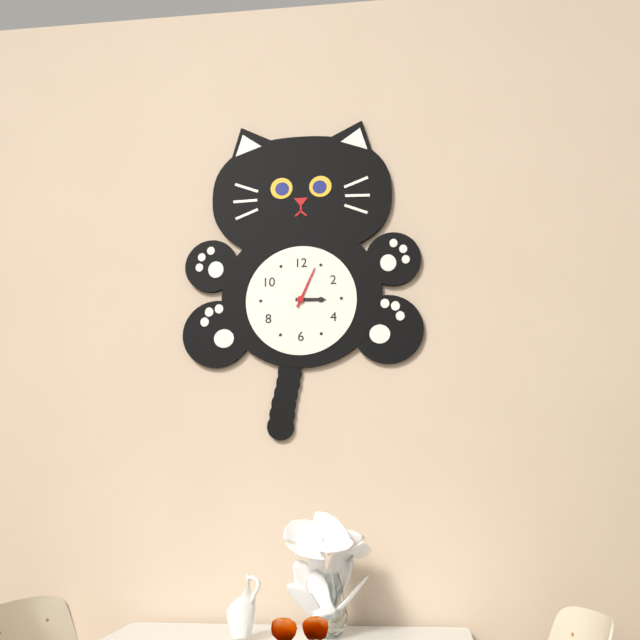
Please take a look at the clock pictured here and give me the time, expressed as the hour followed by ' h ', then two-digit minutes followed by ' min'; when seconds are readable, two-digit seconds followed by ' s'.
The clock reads 3 h 04 min
